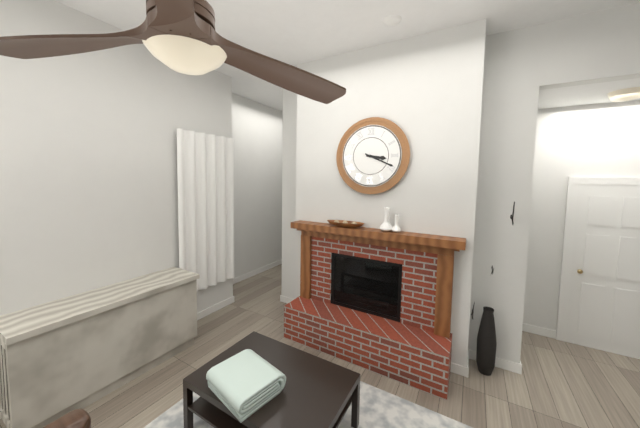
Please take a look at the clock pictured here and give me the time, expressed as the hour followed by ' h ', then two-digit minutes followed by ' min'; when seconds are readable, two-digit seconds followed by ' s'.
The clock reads 3 h 19 min
